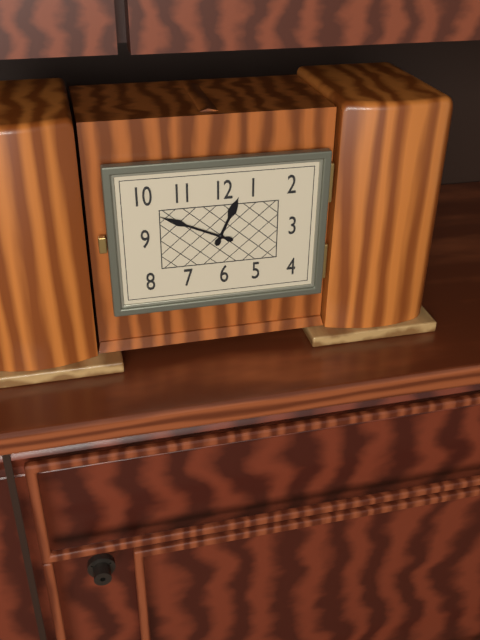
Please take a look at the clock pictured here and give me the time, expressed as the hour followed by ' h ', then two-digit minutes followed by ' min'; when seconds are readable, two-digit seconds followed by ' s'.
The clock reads 12 h 49 min
